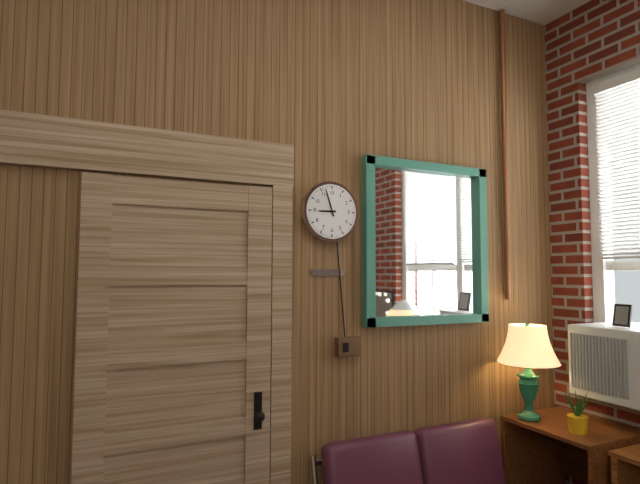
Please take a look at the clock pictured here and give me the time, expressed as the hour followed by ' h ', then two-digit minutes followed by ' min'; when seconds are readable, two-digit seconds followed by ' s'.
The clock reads 8 h 57 min
